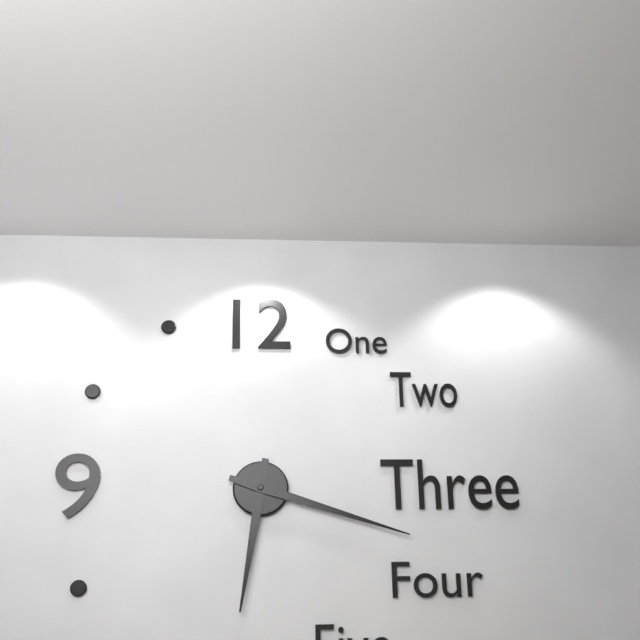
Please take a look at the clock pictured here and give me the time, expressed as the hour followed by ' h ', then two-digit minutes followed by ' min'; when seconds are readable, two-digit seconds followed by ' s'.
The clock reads 6 h 18 min
